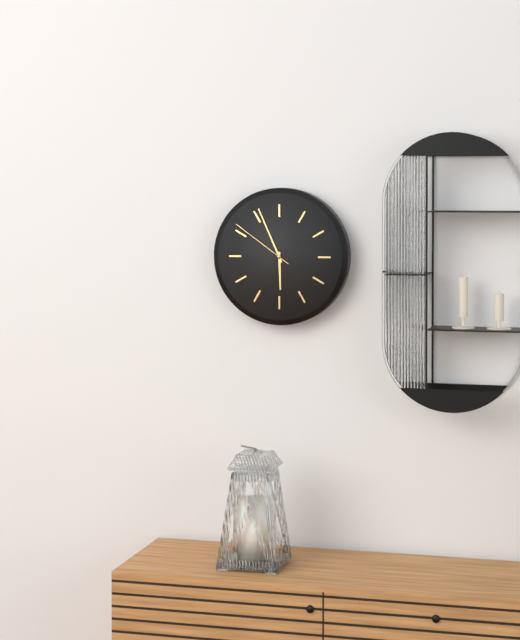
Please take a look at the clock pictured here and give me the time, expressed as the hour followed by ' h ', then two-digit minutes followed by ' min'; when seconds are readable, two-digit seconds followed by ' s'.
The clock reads 5 h 56 min 51 s
